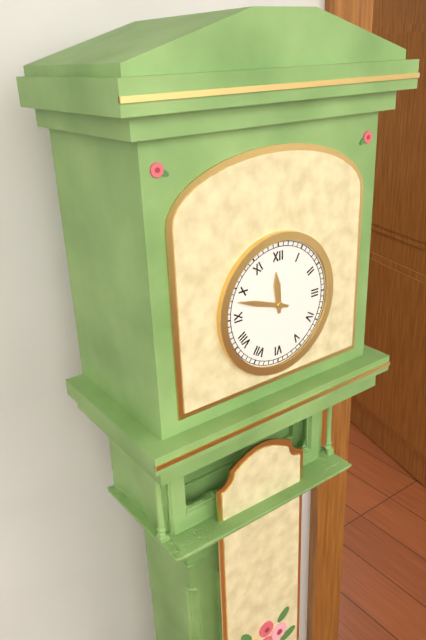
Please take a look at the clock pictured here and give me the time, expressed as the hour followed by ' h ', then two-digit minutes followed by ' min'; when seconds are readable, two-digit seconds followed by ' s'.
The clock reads 11 h 48 min
